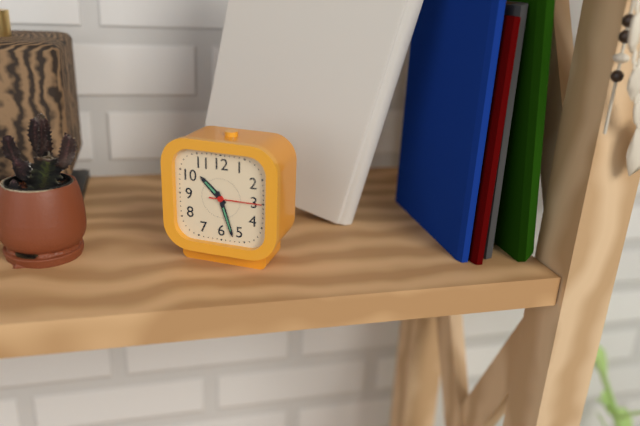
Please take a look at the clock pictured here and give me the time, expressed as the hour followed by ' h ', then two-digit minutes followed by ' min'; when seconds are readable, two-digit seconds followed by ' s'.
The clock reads 10 h 27 min
